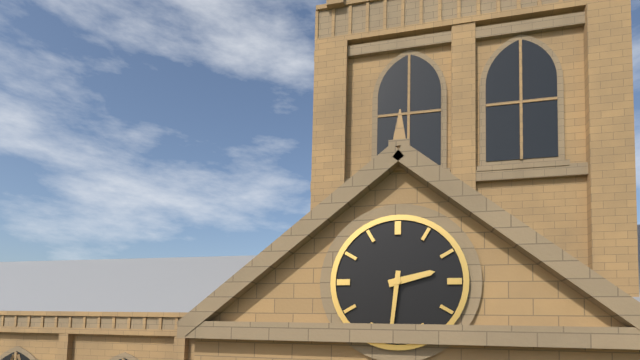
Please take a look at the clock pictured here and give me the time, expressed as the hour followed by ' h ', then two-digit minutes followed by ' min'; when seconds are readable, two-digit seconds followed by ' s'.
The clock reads 2 h 31 min
